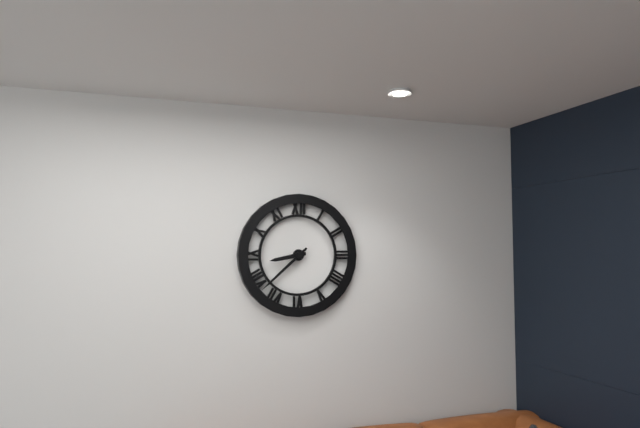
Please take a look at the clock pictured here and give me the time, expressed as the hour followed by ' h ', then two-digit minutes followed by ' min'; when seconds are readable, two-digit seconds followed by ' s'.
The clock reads 8 h 38 min
